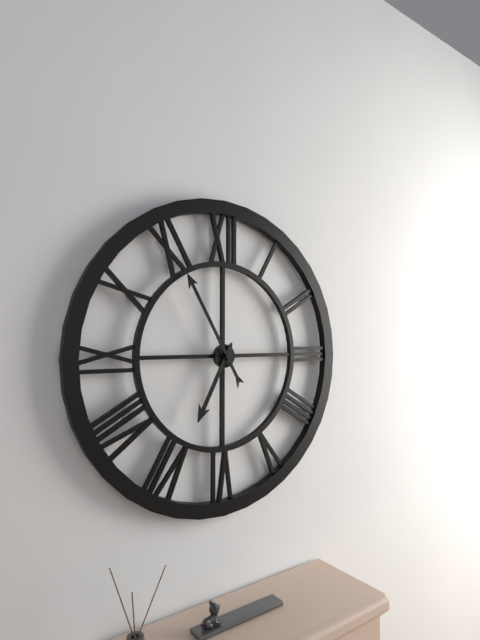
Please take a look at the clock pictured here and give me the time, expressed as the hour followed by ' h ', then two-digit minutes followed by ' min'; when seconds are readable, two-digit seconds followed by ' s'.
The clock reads 6 h 55 min
